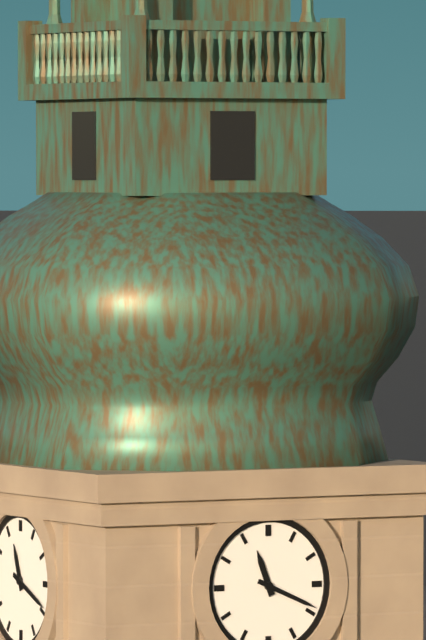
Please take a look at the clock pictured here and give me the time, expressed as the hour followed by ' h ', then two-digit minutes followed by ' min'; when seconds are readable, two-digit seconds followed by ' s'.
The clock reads 11 h 19 min
